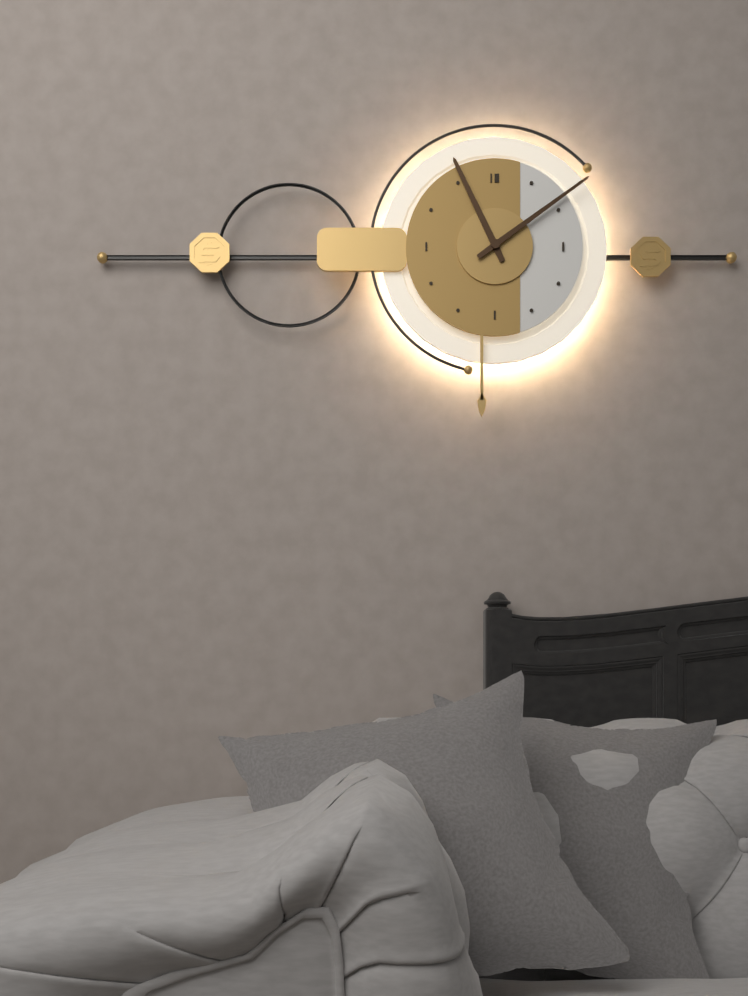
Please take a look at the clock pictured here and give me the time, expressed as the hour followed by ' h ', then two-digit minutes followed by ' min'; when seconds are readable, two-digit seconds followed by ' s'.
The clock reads 11 h 09 min
